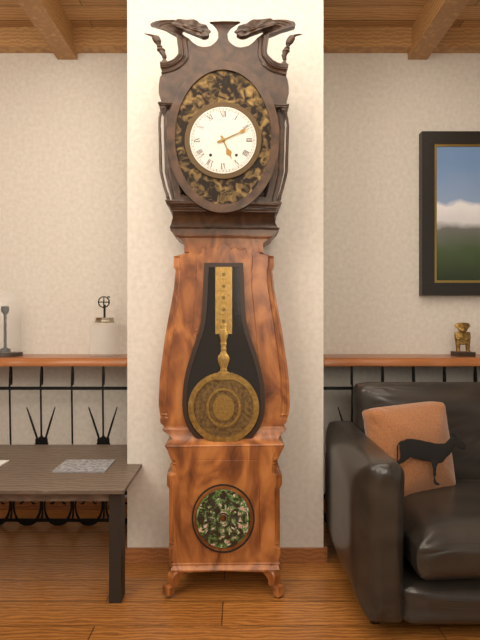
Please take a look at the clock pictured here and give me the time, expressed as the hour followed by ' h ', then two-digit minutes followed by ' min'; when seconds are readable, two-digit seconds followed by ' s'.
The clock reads 5 h 11 min
